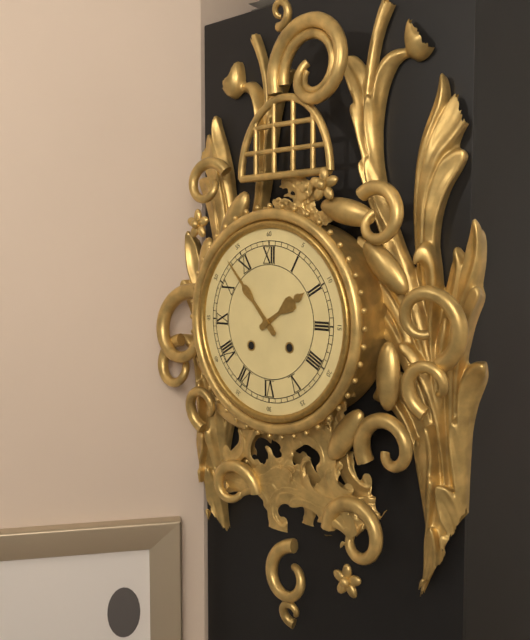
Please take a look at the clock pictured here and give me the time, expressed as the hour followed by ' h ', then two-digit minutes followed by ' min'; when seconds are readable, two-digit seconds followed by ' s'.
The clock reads 1 h 53 min
